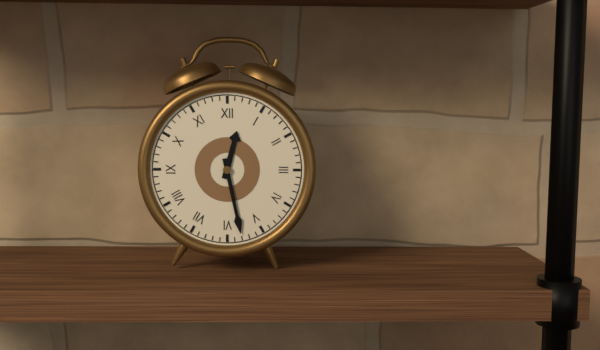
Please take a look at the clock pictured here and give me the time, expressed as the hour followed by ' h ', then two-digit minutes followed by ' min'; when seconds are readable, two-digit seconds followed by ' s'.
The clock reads 12 h 28 min
